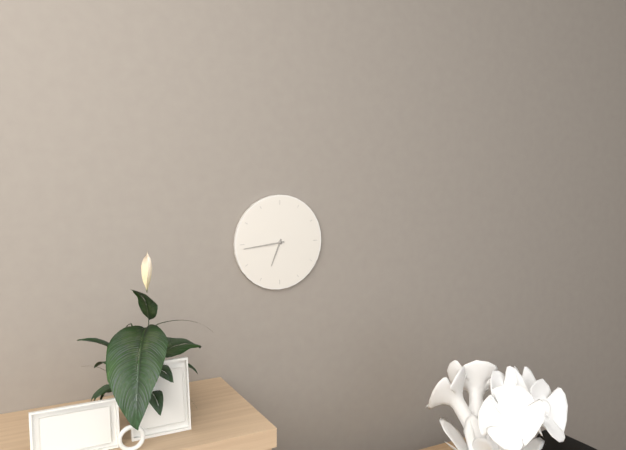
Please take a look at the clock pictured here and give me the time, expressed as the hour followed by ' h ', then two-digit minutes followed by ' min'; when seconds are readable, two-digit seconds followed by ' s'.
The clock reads 6 h 44 min
